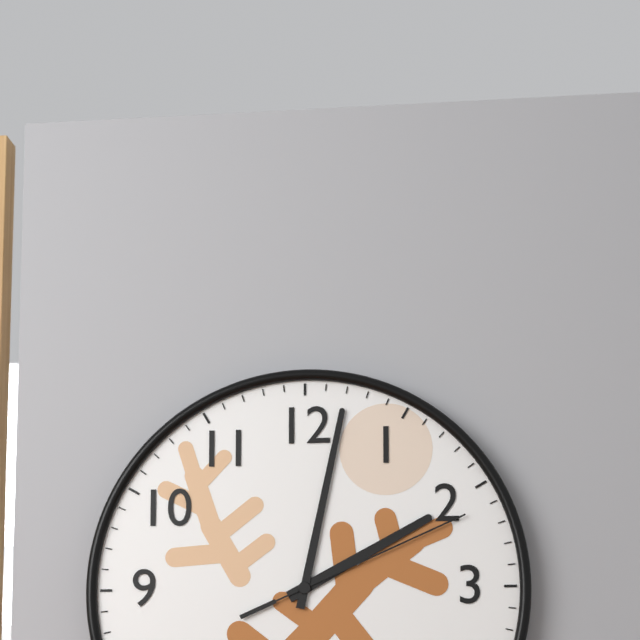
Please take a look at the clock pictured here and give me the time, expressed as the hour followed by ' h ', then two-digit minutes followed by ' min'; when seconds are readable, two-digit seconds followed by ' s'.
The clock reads 2 h 02 min 11 s
